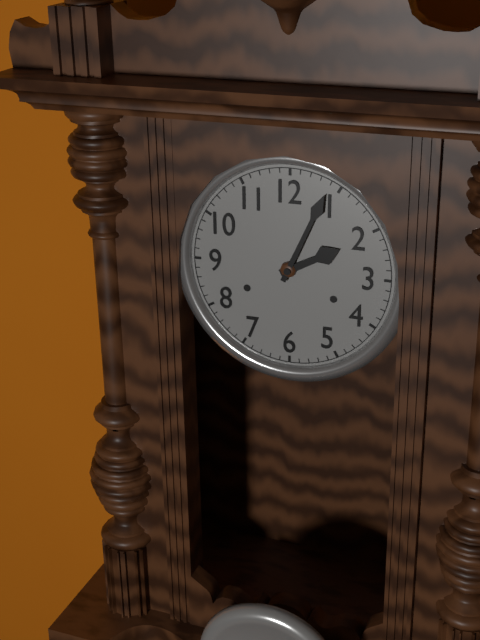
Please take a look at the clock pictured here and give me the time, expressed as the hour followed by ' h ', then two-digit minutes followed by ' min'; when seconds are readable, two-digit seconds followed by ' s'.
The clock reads 2 h 04 min
